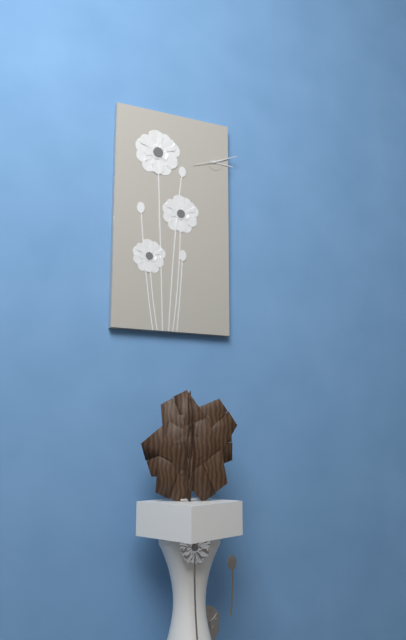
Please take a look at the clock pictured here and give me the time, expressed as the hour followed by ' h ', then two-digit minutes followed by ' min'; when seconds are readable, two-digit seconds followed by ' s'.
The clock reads 3 h 11 min
